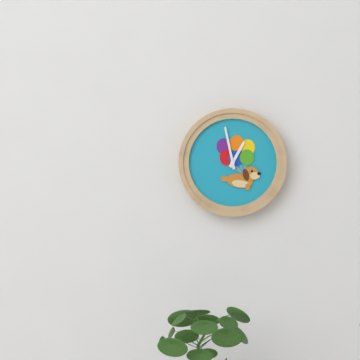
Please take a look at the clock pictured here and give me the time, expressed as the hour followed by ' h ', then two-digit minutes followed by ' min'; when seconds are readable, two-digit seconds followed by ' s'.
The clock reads 12 h 58 min
